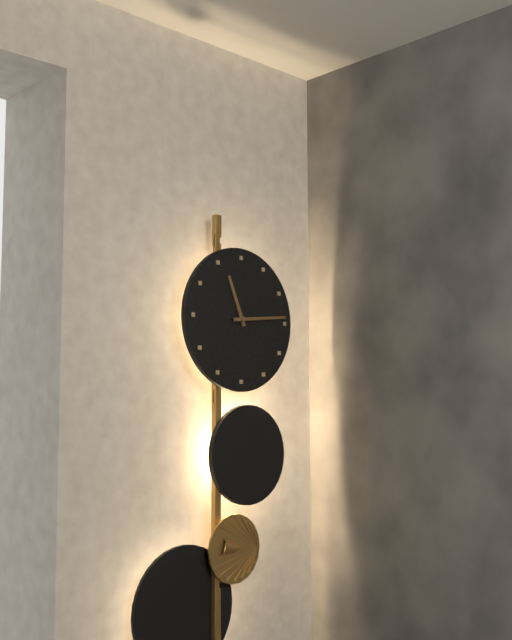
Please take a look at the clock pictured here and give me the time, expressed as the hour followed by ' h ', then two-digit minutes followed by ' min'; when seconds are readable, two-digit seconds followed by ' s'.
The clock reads 11 h 14 min
